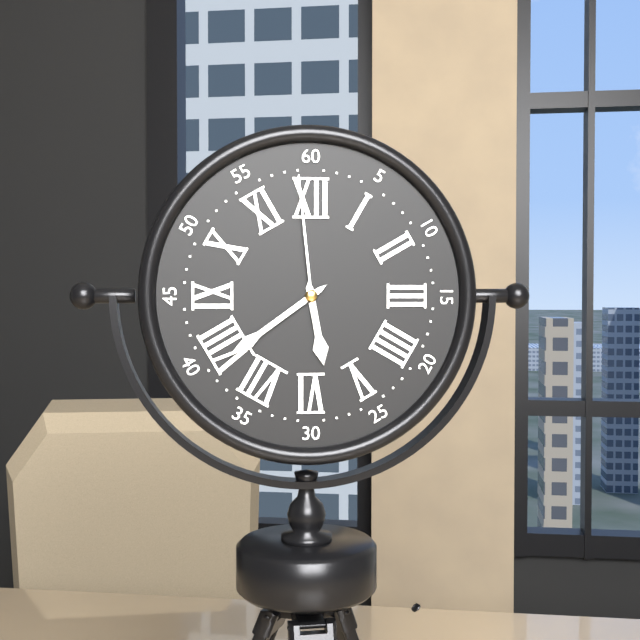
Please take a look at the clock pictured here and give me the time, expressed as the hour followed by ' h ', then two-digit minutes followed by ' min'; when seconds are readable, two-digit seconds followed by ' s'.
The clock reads 5 h 39 min 59 s
